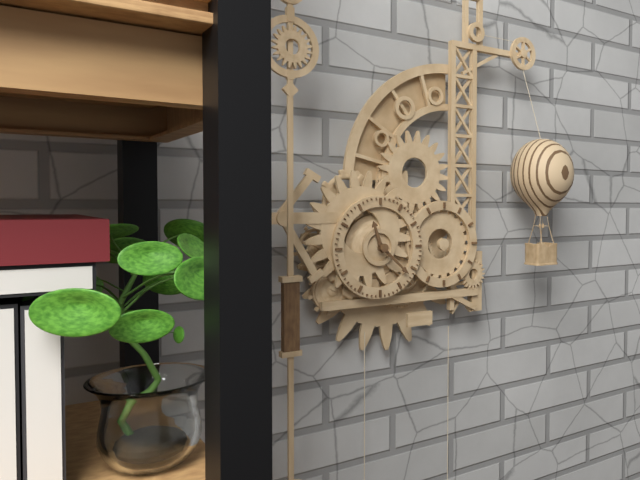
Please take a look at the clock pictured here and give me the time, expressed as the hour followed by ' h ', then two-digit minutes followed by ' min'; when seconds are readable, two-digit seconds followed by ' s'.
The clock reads 11 h 22 min
